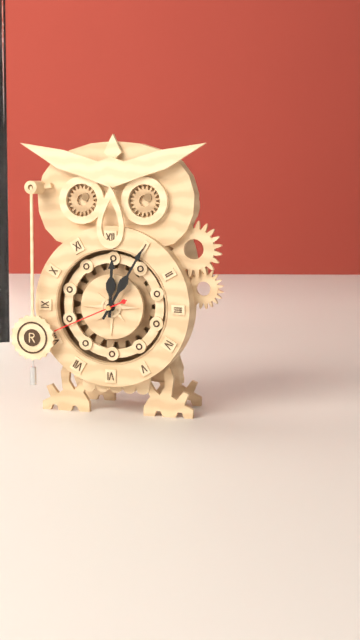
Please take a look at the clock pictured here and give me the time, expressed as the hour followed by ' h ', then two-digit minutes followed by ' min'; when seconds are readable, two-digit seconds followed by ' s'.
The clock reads 12 h 05 min 41 s
